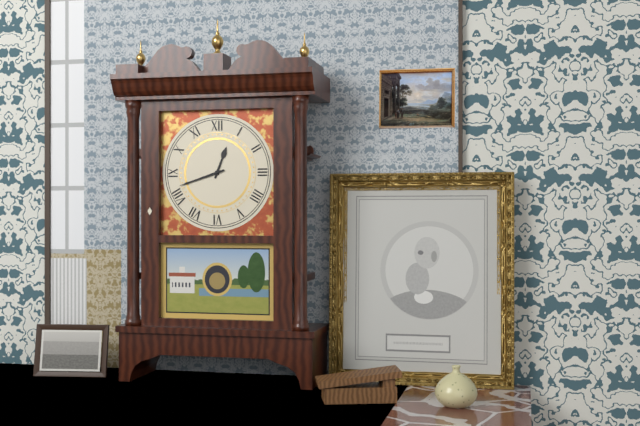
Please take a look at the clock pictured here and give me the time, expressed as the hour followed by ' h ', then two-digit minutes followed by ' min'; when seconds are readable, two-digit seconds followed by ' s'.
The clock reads 12 h 42 min
